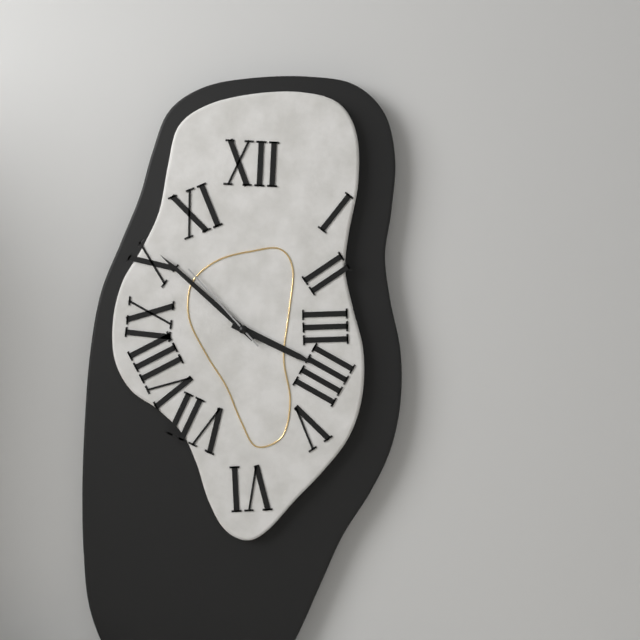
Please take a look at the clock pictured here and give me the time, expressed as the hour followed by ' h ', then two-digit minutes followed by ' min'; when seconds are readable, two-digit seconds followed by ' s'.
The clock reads 3 h 52 min 53 s
